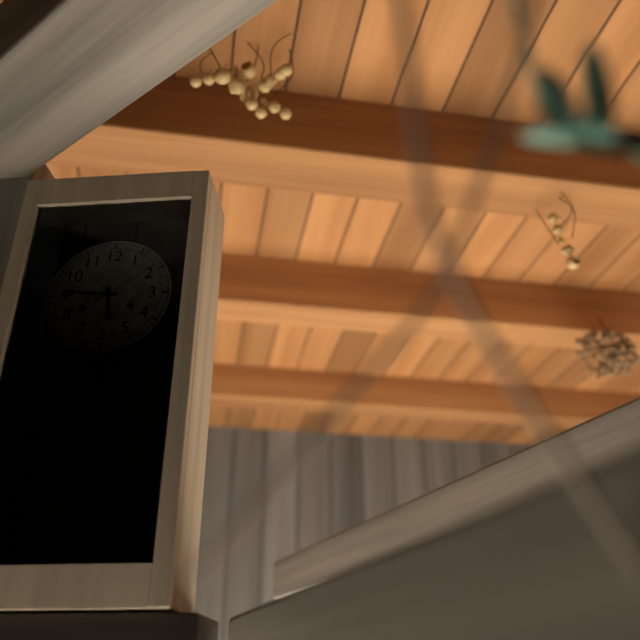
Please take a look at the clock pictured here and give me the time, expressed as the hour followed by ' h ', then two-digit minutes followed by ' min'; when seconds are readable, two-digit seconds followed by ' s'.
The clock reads 5 h 46 min 09 s
